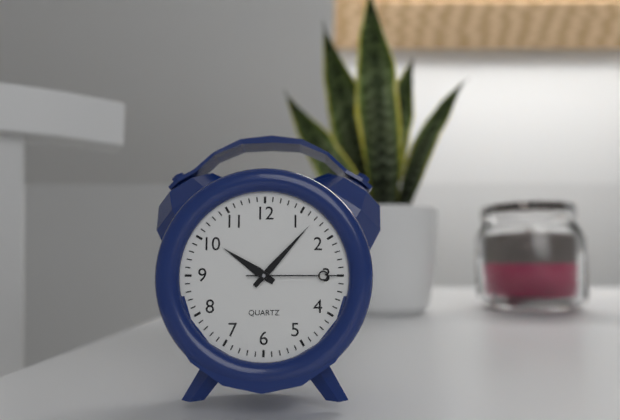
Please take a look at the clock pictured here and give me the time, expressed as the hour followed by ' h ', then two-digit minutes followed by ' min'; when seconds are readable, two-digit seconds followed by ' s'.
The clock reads 10 h 07 min 15 s
